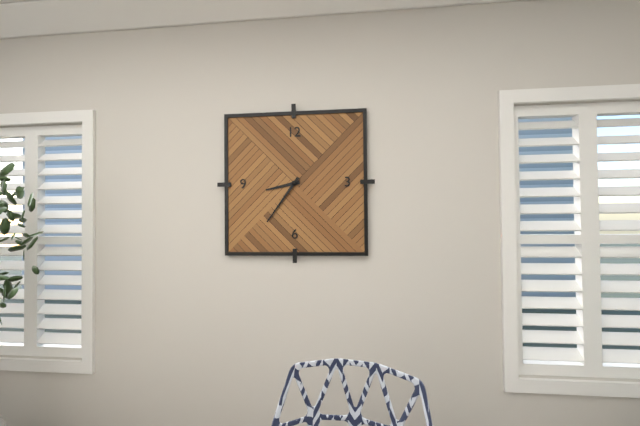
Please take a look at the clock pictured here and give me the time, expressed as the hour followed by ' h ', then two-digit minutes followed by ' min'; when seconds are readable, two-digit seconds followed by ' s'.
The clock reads 8 h 36 min
